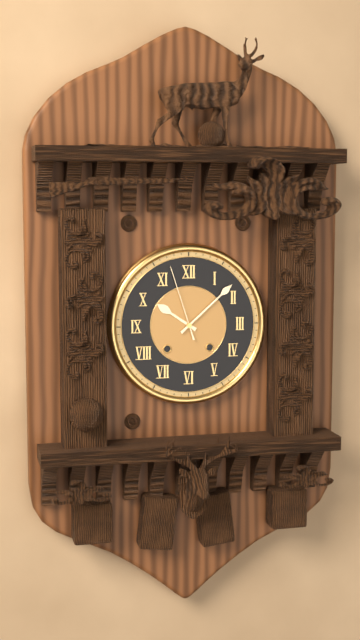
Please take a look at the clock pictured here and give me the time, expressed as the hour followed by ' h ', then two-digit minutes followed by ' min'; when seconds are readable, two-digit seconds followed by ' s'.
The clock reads 10 h 08 min 57 s
